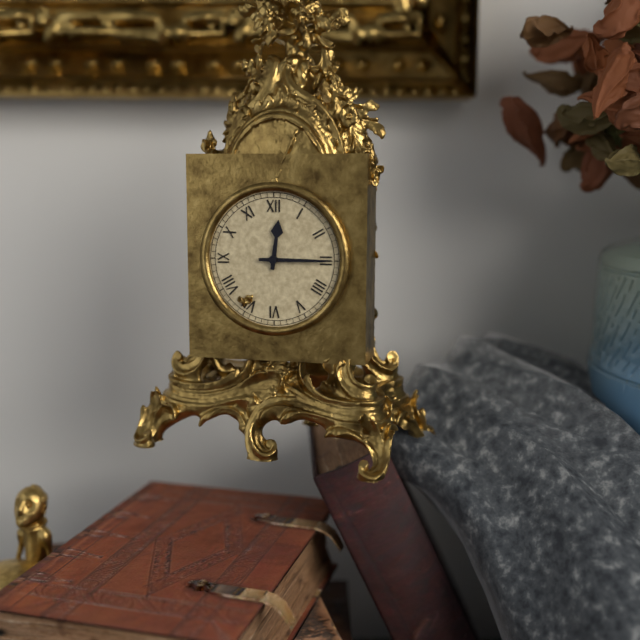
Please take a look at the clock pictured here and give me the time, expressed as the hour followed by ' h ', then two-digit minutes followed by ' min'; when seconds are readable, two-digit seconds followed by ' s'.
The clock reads 12 h 15 min
